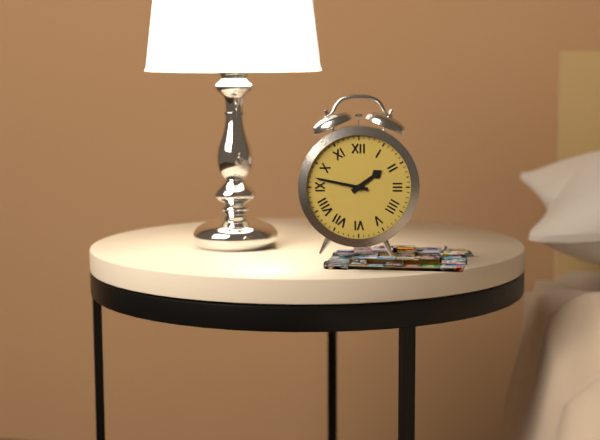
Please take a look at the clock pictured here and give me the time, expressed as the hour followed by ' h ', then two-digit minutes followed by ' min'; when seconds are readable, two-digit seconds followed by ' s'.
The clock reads 1 h 47 min
